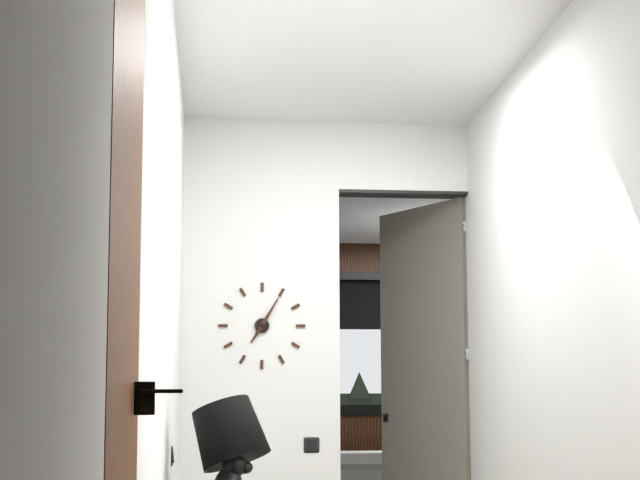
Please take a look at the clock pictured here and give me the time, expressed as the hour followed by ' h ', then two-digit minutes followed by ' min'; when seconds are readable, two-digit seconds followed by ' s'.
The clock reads 7 h 05 min
